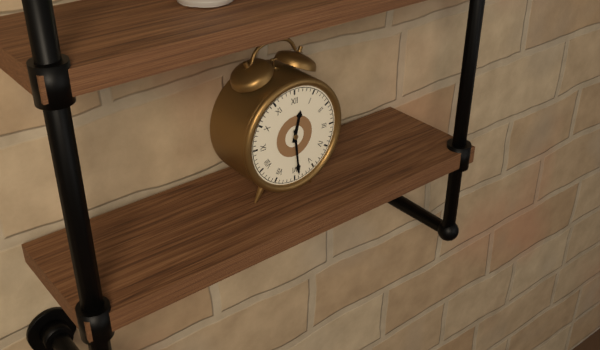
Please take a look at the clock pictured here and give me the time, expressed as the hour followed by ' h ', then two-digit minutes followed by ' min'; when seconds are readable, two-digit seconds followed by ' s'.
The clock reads 12 h 29 min
